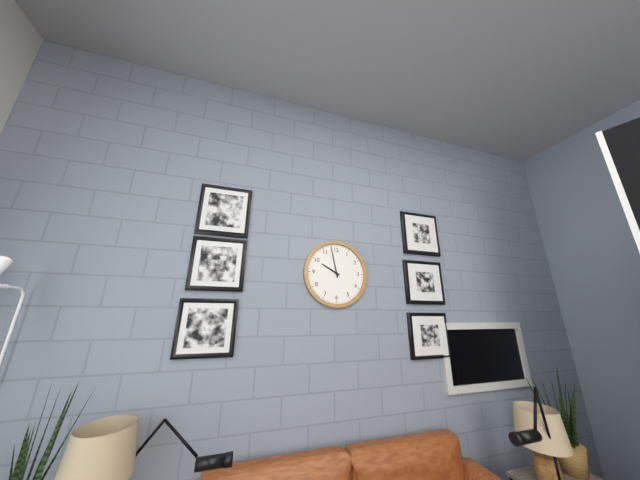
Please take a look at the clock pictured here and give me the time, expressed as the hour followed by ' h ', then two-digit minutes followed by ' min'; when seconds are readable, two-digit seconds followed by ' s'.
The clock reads 9 h 58 min
